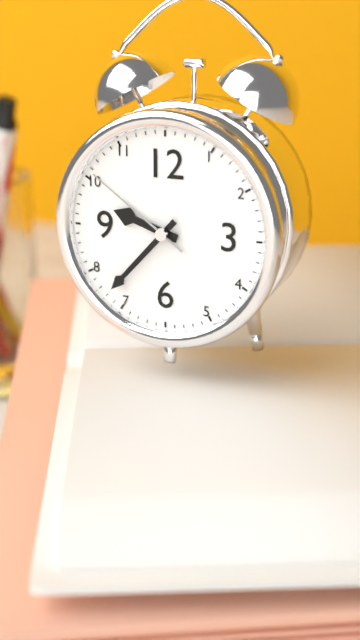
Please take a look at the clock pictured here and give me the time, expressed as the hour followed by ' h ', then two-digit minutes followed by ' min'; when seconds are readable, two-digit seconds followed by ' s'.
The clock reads 9 h 37 min 51 s
